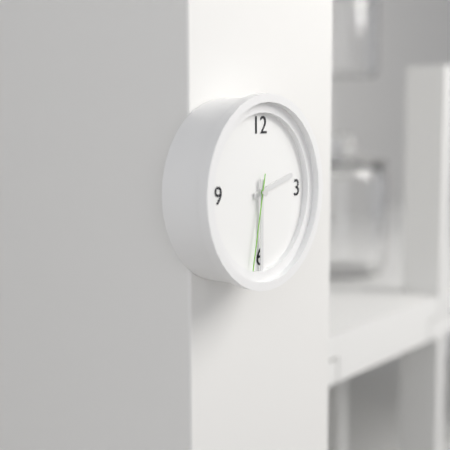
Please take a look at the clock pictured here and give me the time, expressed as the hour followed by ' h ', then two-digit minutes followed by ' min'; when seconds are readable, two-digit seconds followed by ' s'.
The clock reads 2 h 30 min 32 s
